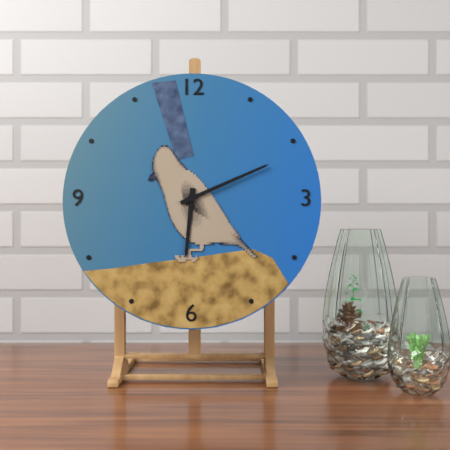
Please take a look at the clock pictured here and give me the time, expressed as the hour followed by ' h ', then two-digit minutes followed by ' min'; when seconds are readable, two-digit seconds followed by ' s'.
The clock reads 6 h 11 min
